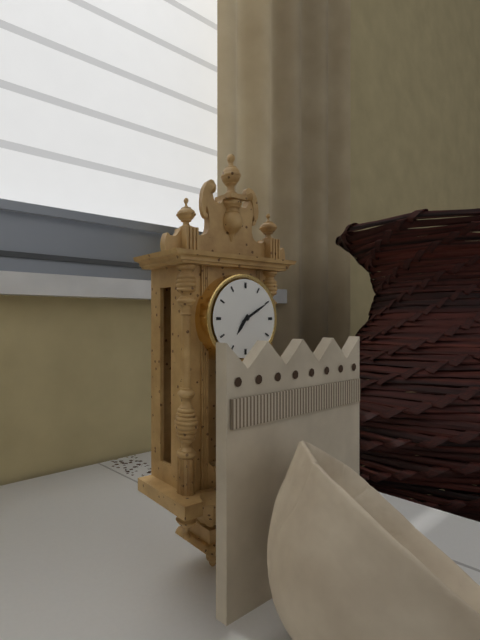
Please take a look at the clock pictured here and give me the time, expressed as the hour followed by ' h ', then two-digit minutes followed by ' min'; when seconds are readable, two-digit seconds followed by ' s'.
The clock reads 7 h 10 min
